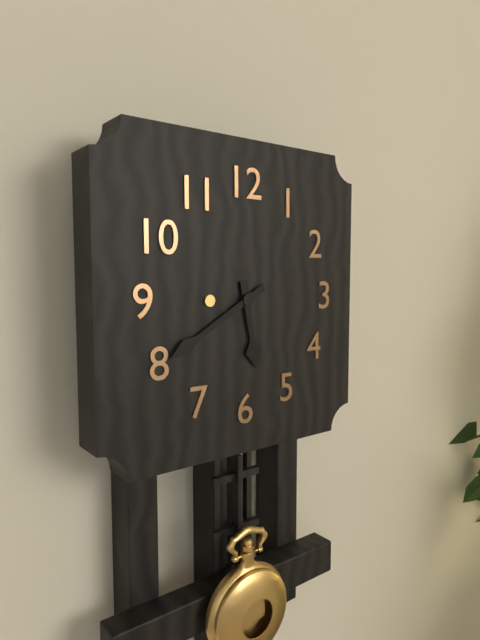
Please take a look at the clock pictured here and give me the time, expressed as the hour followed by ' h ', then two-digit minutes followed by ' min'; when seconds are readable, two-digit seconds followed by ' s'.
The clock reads 5 h 40 min
